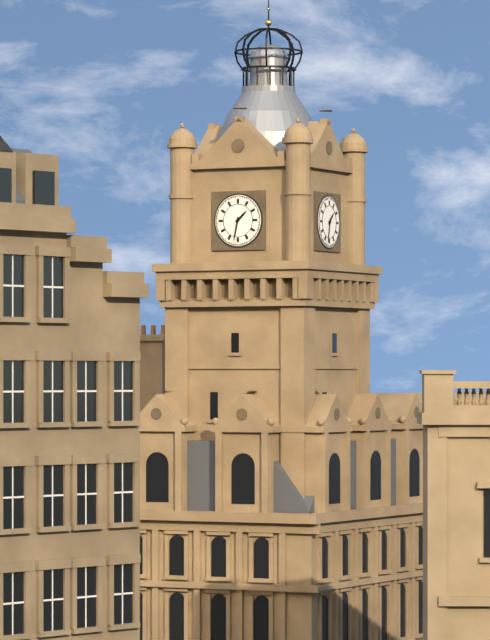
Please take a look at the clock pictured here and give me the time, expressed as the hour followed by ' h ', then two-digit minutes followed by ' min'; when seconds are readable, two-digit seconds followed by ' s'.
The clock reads 1 h 32 min
